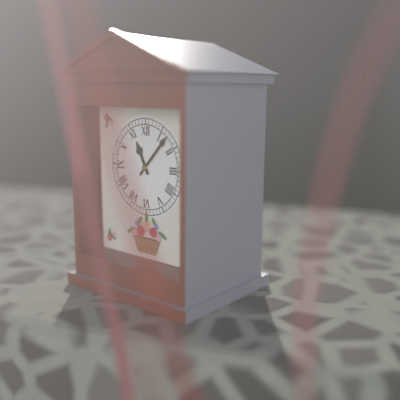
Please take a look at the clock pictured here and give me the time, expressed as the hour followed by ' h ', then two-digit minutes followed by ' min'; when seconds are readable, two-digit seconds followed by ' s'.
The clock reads 11 h 07 min
